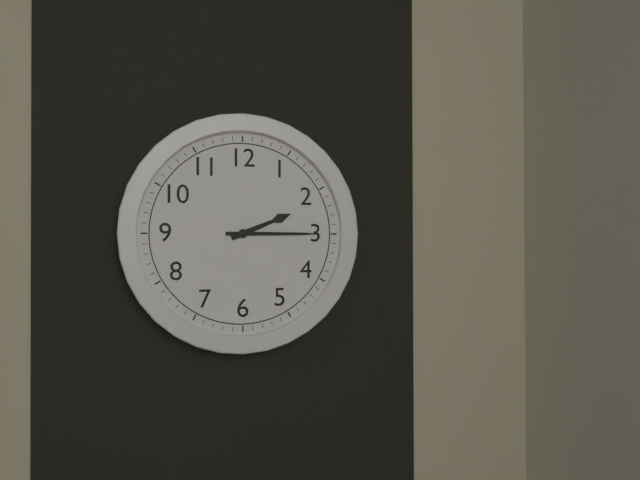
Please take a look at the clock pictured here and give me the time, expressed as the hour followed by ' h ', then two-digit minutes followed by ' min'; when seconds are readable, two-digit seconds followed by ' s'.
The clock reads 2 h 15 min
